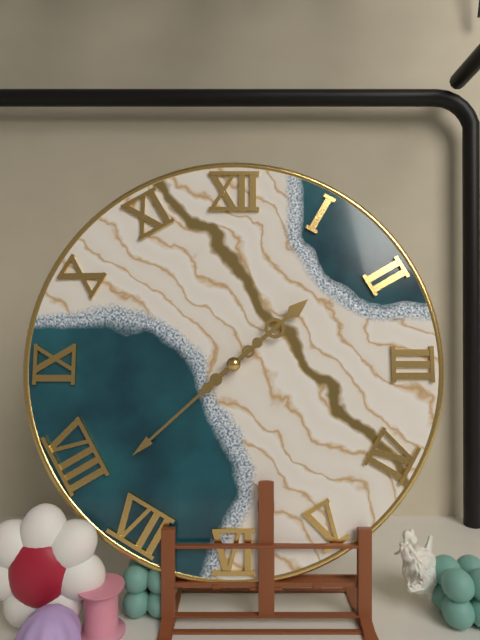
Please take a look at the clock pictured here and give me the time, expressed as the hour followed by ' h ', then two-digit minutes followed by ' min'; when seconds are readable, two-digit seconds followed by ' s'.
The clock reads 1 h 38 min
